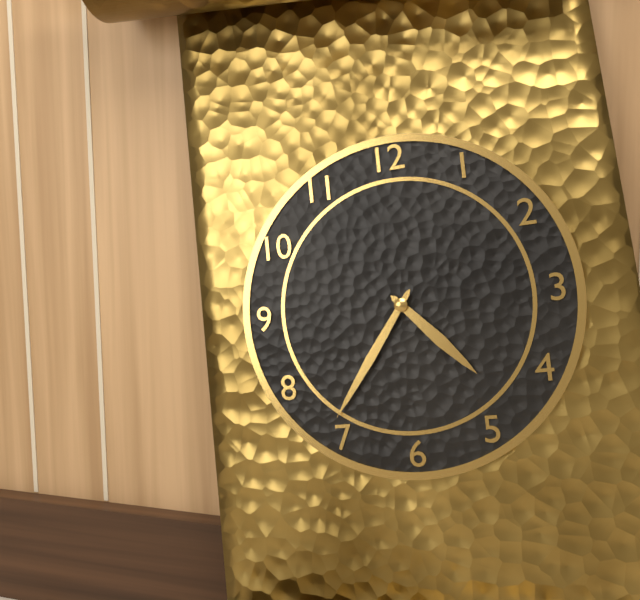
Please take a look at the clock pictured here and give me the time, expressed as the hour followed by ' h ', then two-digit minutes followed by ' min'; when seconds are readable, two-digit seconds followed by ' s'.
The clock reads 4 h 36 min
